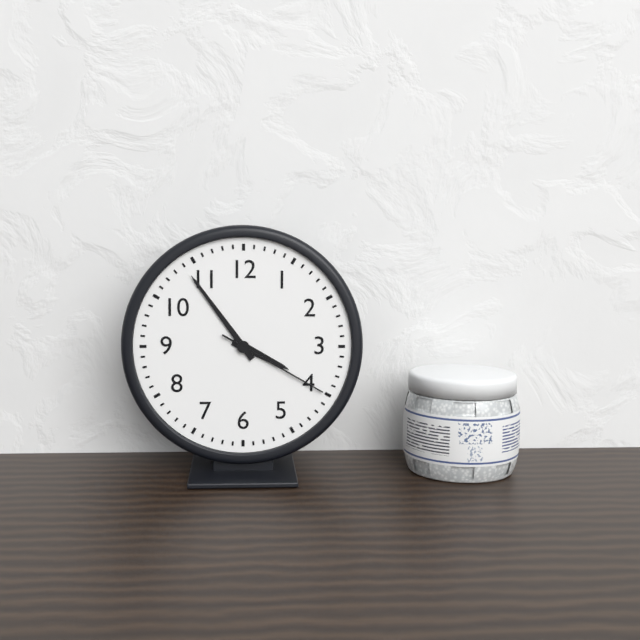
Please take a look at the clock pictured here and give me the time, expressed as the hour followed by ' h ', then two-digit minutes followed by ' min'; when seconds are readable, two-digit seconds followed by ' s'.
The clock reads 3 h 54 min 20 s
